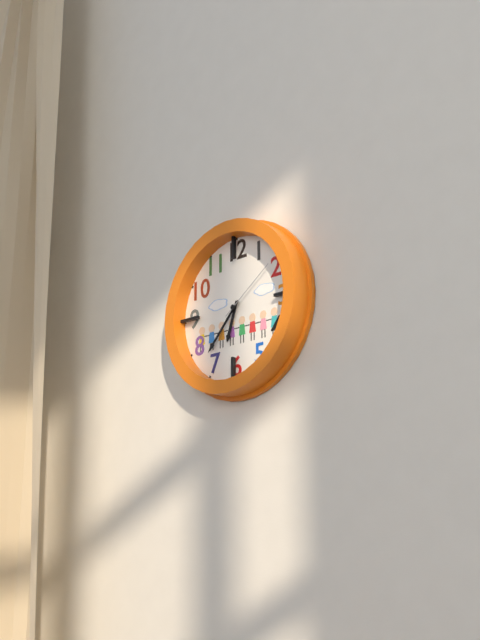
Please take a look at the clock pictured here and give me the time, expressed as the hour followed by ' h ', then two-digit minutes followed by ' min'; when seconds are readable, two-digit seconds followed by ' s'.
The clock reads 6 h 37 min 09 s
